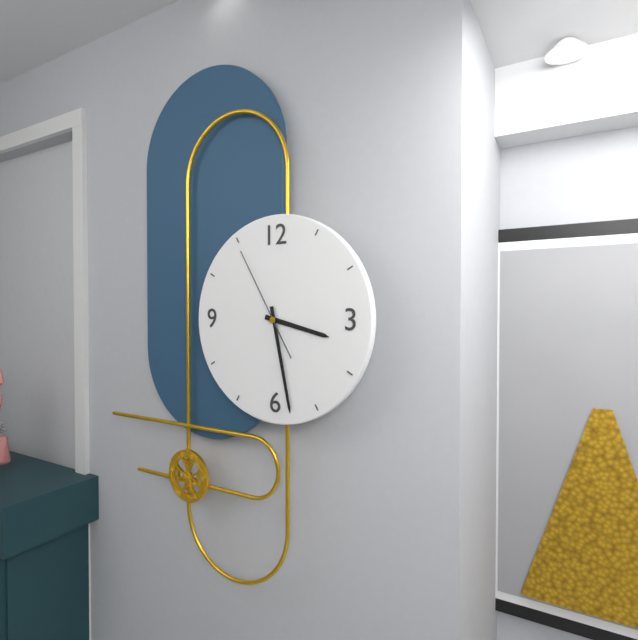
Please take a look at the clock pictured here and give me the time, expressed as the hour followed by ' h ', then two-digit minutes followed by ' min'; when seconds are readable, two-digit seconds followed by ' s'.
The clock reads 3 h 28 min 55 s
